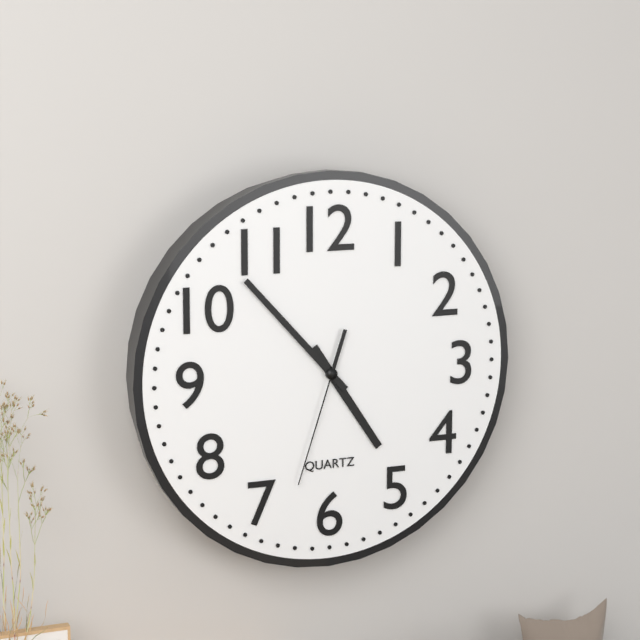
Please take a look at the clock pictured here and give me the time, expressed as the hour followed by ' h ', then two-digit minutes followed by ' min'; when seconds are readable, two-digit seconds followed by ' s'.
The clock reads 4 h 53 min 33 s
